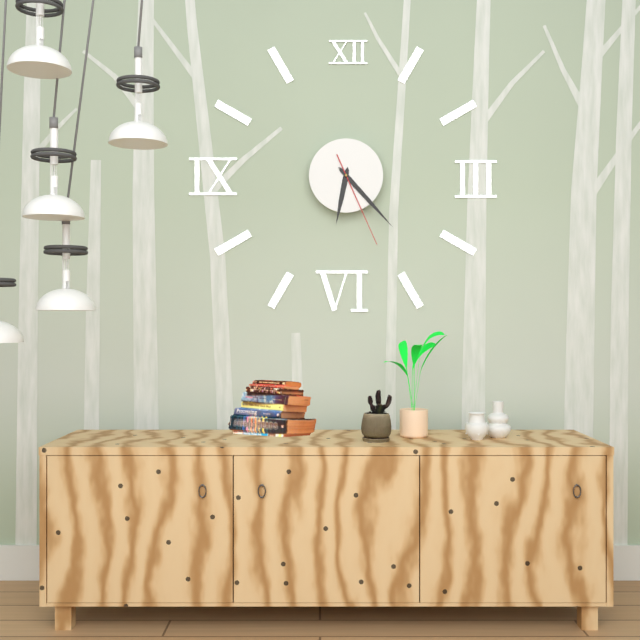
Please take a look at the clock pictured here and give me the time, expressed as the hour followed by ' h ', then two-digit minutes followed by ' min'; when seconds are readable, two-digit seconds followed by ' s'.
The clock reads 6 h 23 min 26 s
